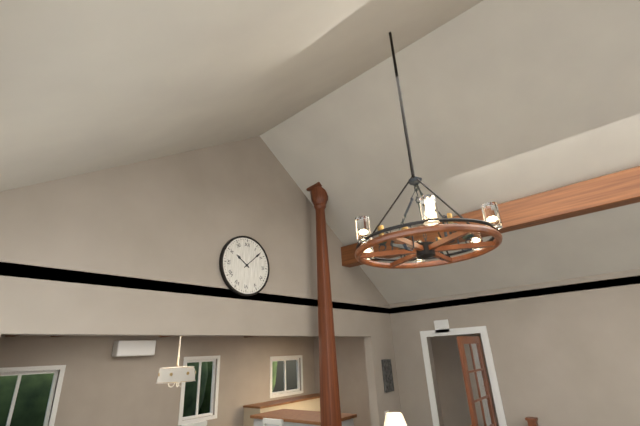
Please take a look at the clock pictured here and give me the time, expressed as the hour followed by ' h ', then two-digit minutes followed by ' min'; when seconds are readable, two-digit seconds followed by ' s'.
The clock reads 10 h 08 min
